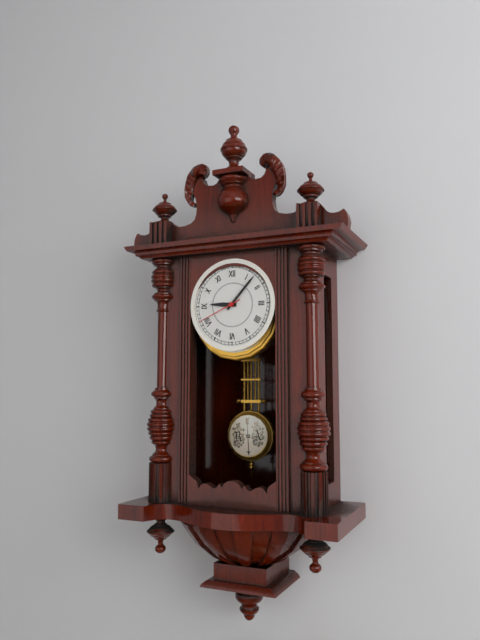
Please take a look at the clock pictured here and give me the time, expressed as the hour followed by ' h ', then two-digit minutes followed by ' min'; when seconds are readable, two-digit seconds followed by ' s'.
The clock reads 9 h 07 min
